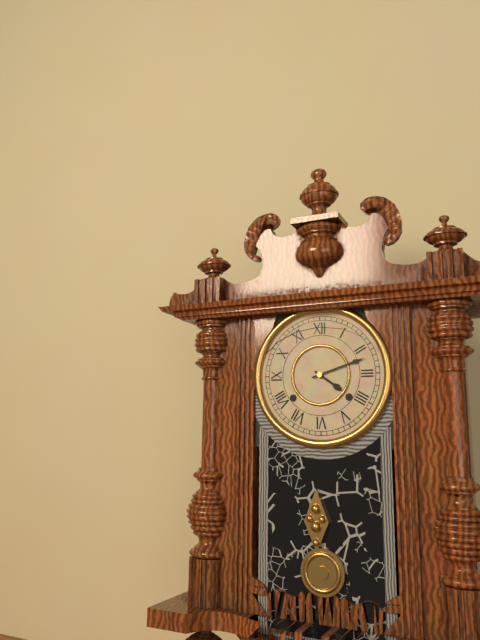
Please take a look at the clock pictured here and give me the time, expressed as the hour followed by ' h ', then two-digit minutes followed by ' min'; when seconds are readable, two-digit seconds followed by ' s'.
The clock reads 4 h 12 min
